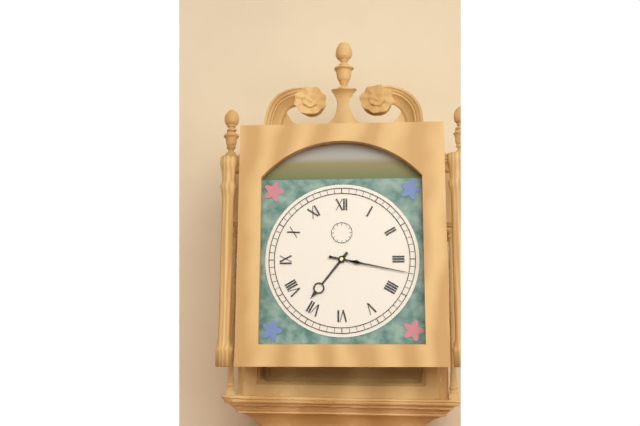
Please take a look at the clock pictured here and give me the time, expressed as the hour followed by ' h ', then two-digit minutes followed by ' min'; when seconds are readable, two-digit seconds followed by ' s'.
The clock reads 7 h 17 min
